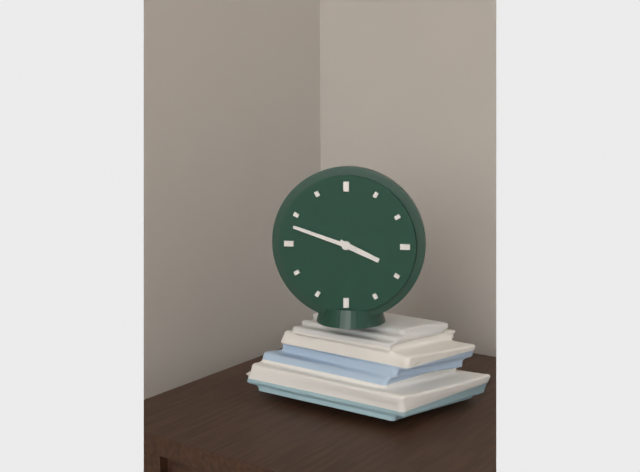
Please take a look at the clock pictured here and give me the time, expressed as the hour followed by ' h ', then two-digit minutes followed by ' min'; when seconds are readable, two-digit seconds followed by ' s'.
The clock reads 3 h 48 min
